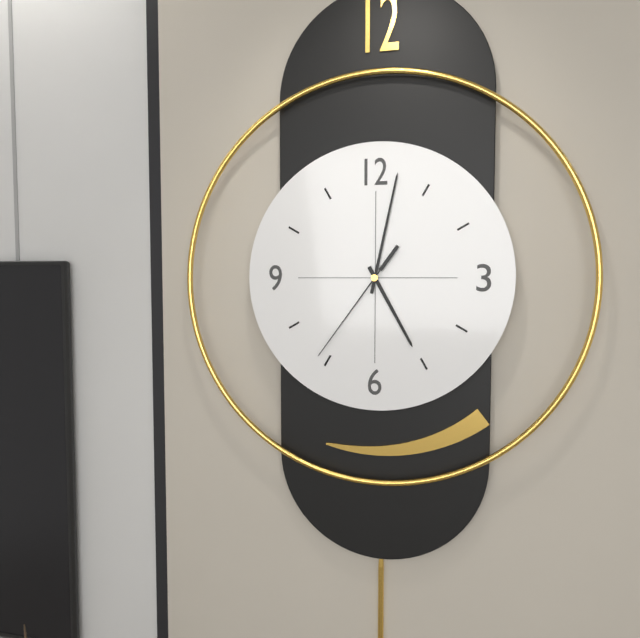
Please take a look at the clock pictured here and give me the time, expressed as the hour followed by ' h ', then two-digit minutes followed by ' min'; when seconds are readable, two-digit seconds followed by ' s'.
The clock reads 5 h 02 min 36 s
